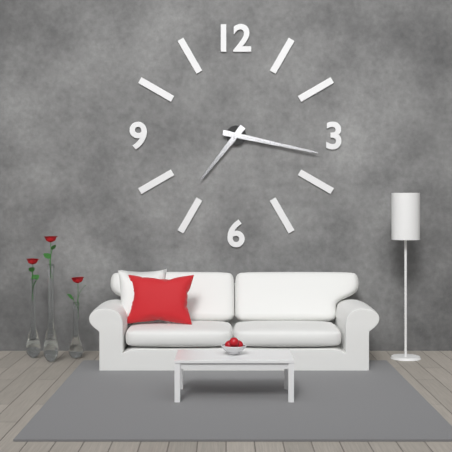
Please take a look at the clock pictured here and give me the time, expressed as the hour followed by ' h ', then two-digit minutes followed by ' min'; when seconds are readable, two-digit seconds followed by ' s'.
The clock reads 7 h 17 min
